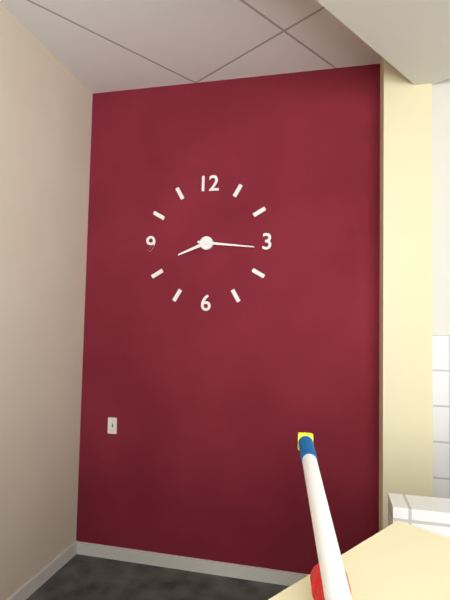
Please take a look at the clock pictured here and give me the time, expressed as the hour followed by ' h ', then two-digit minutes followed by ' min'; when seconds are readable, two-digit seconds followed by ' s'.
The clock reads 8 h 16 min
